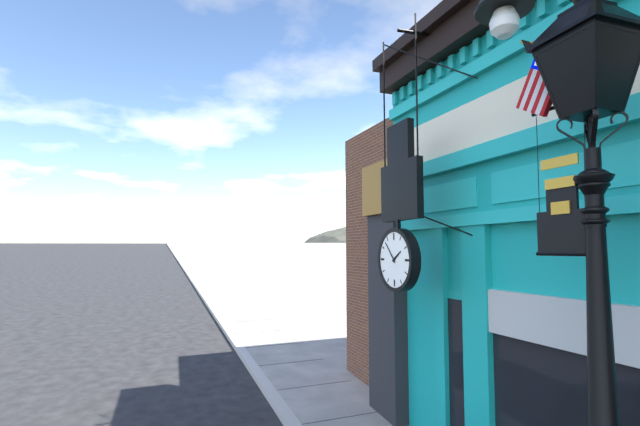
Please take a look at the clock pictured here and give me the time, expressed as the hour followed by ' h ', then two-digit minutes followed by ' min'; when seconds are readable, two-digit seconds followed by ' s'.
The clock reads 1 h 53 min
